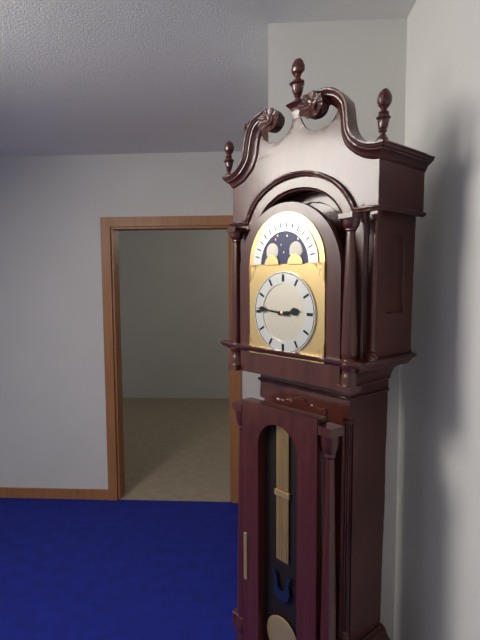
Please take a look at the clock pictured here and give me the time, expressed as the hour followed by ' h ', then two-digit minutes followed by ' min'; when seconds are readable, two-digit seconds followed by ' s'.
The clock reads 2 h 46 min
